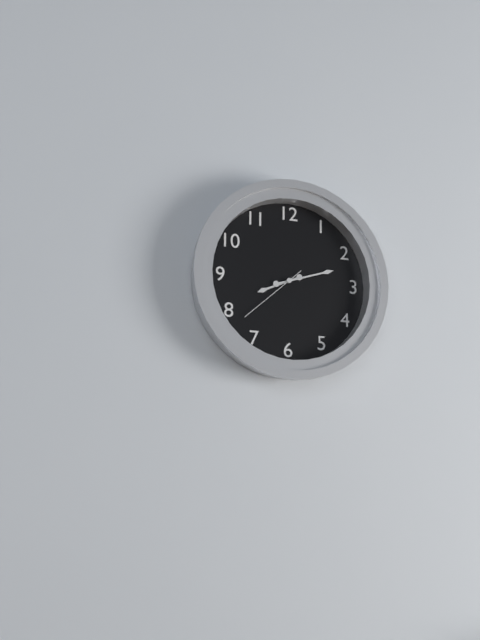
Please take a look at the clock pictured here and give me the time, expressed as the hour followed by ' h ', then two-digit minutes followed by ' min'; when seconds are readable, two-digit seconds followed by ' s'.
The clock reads 8 h 12 min 38 s
